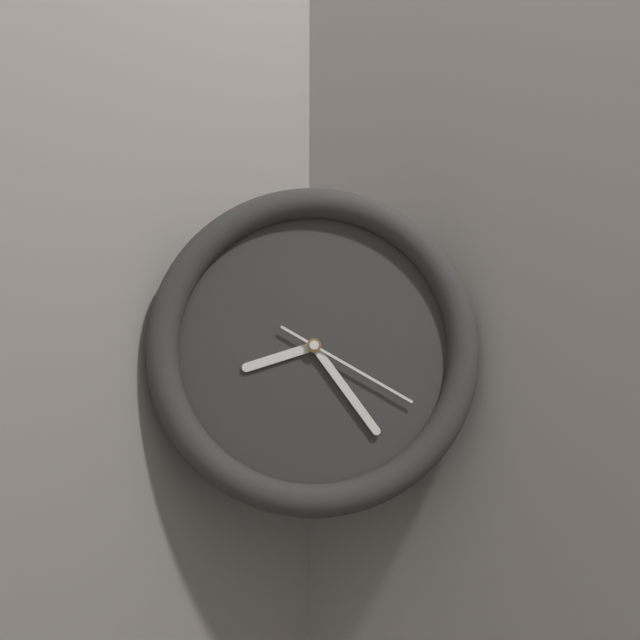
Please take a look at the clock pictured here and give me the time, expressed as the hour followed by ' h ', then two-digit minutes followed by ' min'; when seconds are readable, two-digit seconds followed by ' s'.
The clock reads 8 h 24 min 20 s
